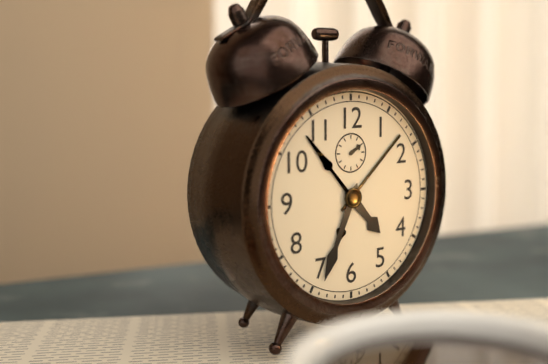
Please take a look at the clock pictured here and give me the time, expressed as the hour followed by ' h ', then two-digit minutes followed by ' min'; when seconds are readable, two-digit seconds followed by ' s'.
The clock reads 4 h 34 min
